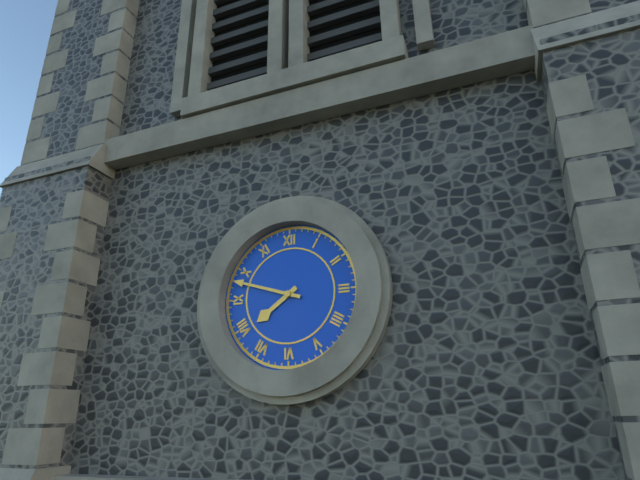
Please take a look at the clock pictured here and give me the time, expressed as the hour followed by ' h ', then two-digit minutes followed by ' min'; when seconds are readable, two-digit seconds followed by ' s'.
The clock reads 7 h 48 min
